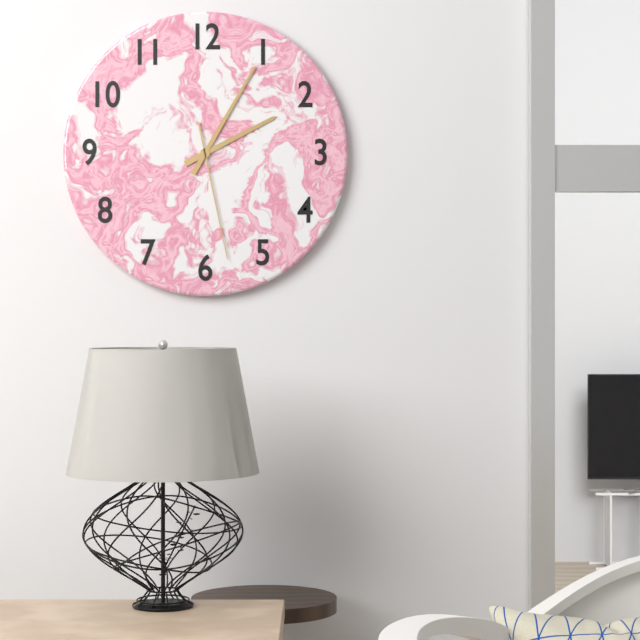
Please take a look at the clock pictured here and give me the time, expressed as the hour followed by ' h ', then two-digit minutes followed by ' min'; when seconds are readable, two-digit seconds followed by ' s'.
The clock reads 2 h 05 min 28 s
